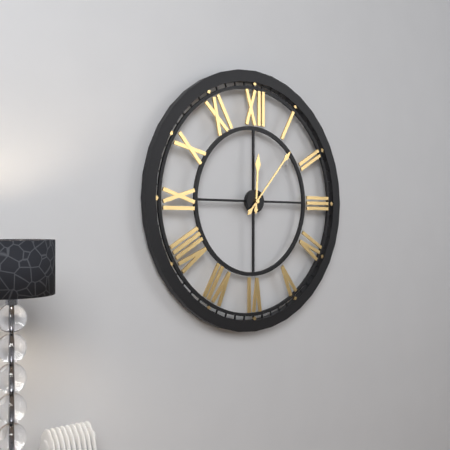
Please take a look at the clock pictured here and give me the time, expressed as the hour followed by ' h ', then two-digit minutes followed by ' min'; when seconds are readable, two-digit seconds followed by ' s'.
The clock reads 12 h 07 min
